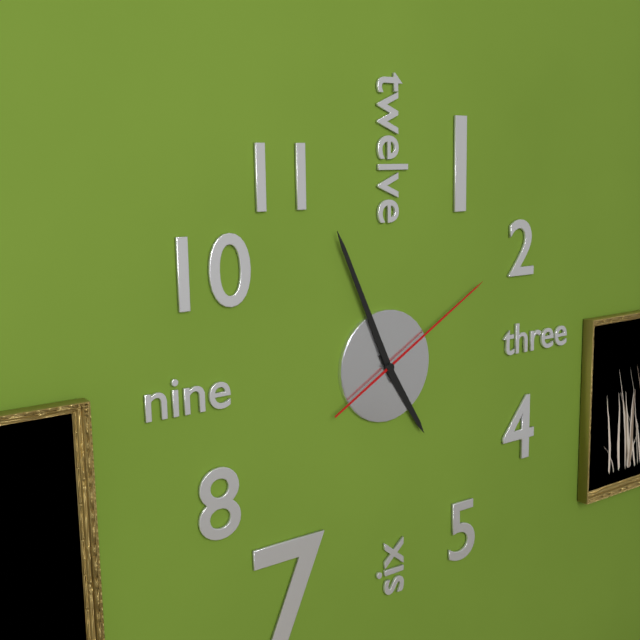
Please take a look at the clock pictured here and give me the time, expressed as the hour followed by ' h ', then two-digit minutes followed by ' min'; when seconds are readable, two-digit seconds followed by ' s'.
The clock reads 4 h 56 min 10 s
